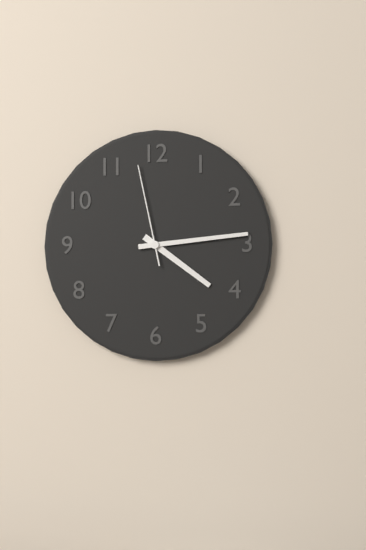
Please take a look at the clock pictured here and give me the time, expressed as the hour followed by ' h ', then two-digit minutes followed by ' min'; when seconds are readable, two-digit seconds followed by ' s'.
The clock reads 4 h 14 min 58 s
